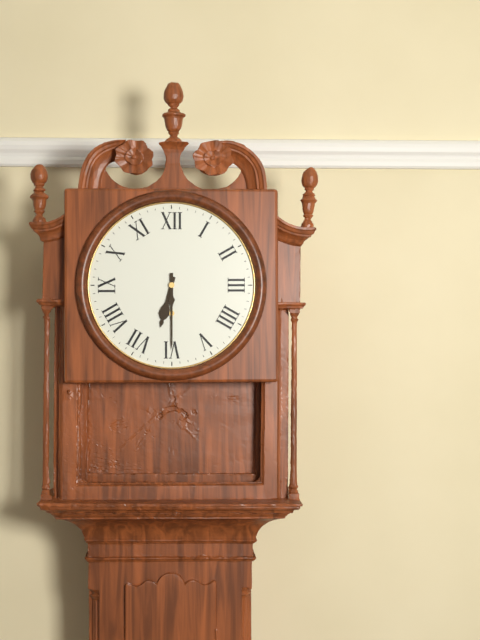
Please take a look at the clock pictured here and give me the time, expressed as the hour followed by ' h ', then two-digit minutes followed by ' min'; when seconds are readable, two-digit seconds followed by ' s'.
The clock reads 6 h 30 min
